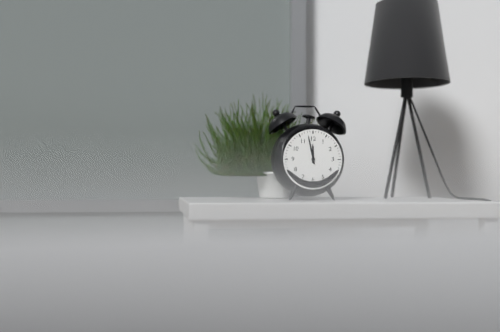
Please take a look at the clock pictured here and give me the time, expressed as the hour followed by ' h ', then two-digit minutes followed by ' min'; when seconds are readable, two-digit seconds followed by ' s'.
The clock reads 11 h 58 min
